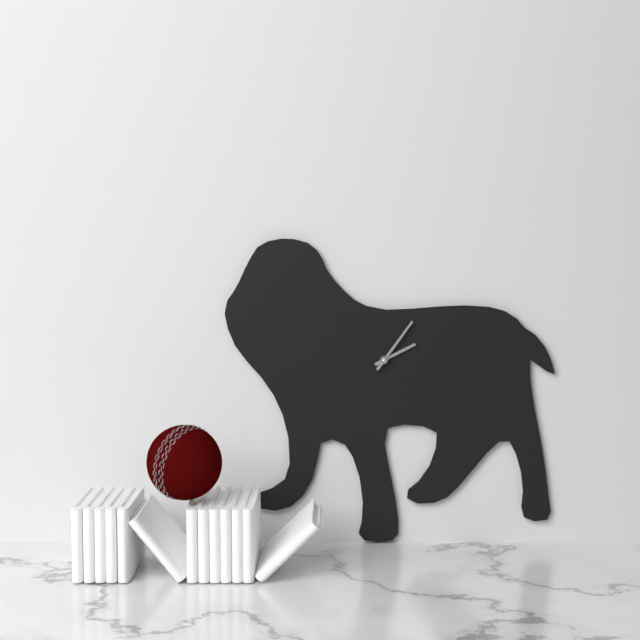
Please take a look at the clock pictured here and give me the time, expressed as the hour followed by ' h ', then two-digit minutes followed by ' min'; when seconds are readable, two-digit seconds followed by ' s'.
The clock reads 2 h 06 min
